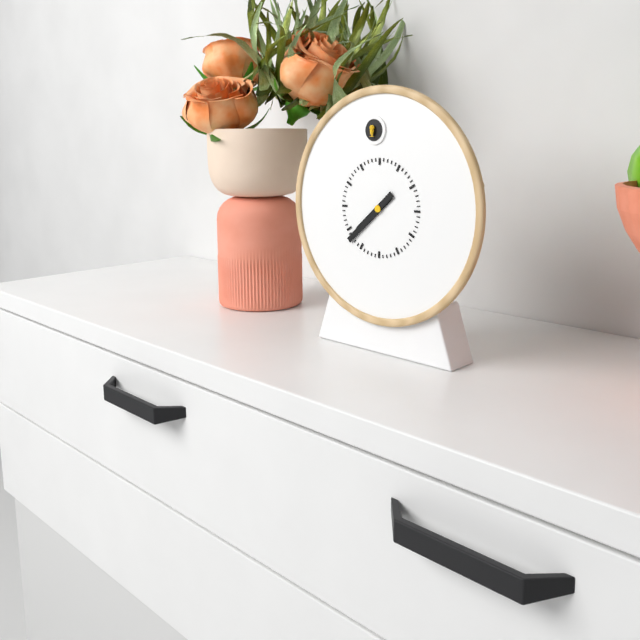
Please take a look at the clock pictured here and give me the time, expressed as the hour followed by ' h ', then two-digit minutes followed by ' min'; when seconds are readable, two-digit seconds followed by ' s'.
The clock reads 7 h 38 min
